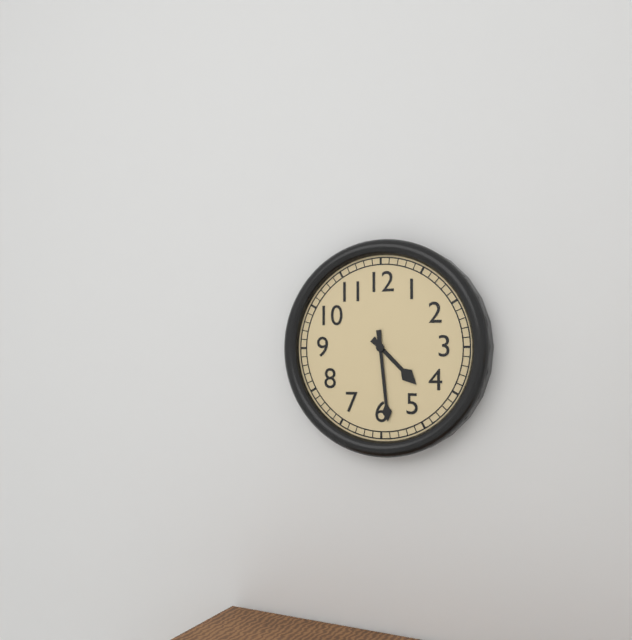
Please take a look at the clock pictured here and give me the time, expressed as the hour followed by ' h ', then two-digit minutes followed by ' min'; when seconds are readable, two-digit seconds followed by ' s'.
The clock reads 4 h 29 min
